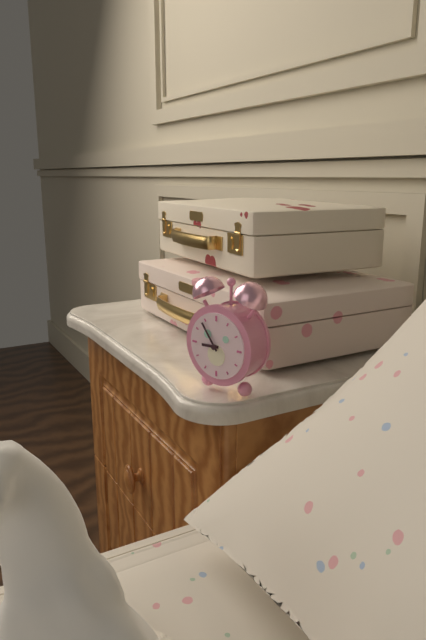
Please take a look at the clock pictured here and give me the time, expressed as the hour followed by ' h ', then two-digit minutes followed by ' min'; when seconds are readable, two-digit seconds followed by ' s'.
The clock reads 8 h 54 min
